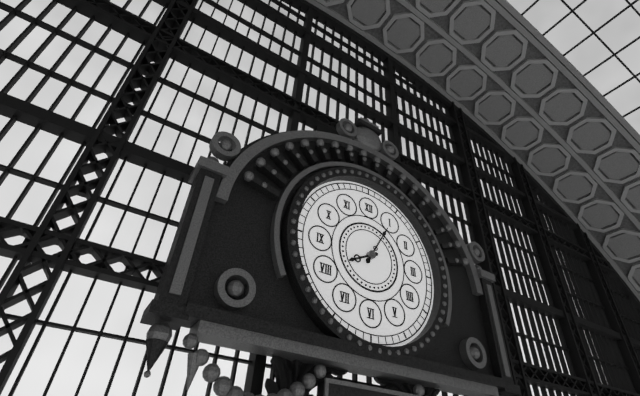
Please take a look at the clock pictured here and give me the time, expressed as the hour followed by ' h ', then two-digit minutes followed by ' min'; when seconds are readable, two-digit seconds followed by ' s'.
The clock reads 8 h 05 min
